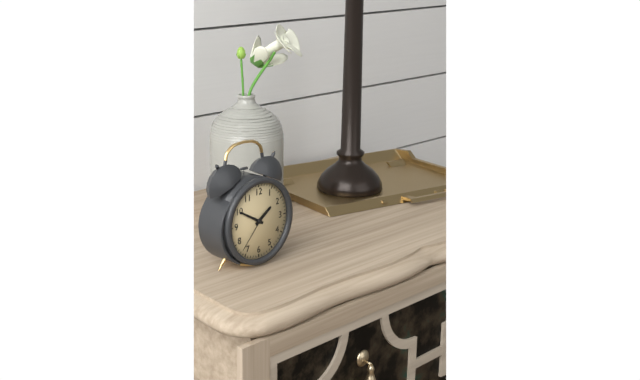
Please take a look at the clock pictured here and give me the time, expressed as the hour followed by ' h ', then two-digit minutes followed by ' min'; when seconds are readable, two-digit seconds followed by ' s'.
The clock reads 1 h 50 min
